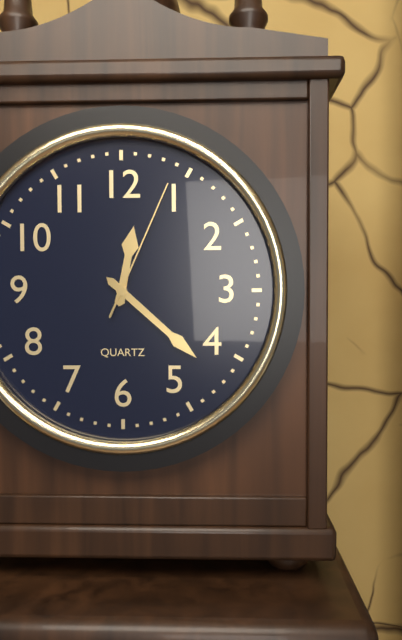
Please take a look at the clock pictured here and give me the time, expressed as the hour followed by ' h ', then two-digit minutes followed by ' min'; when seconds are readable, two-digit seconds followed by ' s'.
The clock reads 12 h 22 min 04 s
